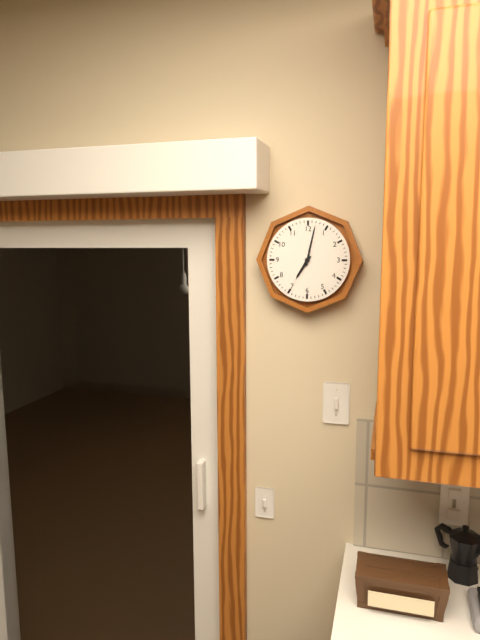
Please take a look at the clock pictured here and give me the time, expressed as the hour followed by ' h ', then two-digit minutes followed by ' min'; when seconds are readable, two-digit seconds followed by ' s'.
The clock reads 7 h 02 min
